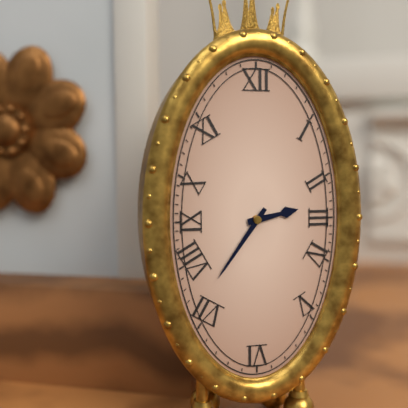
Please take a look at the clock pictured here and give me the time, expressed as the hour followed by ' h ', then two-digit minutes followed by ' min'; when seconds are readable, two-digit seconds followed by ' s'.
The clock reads 2 h 36 min
